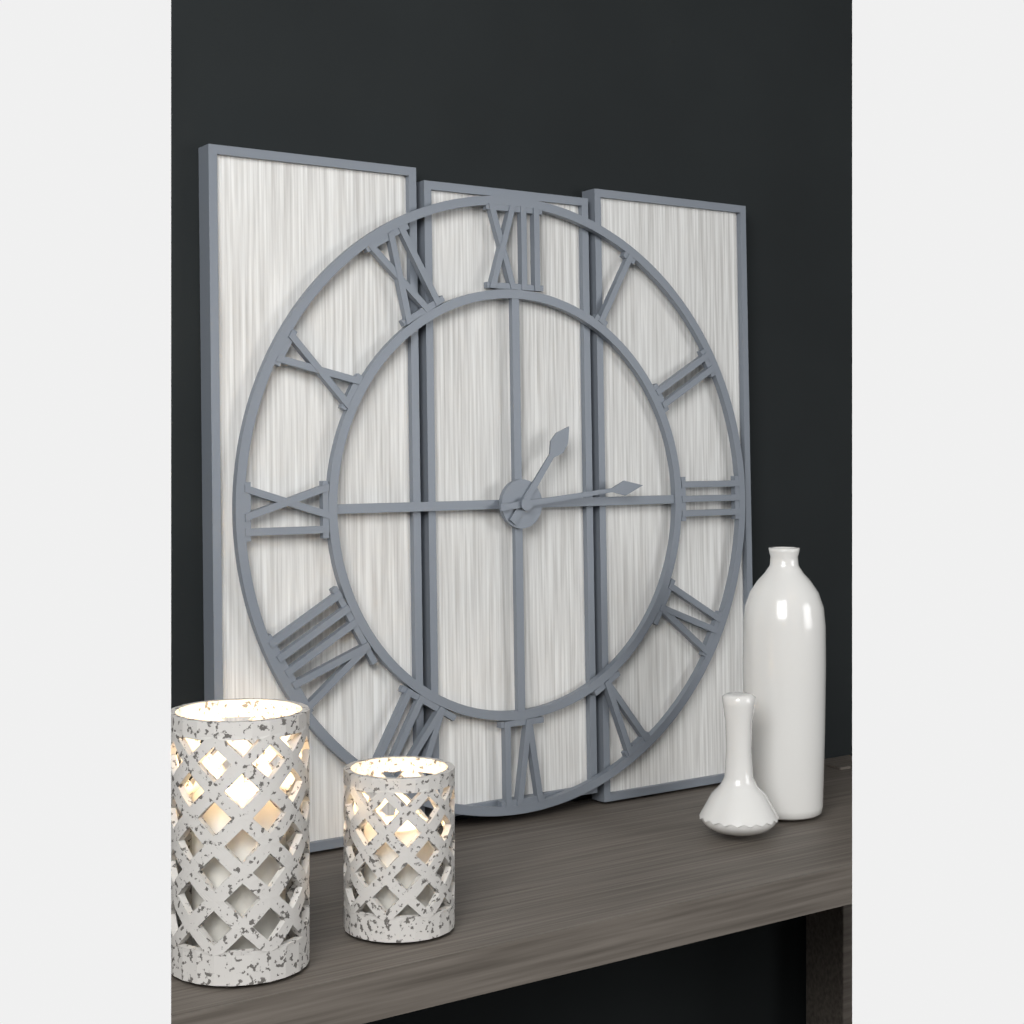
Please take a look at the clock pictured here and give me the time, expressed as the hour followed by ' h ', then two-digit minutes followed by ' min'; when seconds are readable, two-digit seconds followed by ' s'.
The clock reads 1 h 14 min
